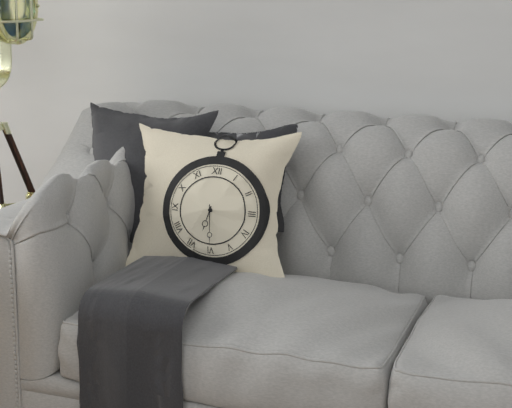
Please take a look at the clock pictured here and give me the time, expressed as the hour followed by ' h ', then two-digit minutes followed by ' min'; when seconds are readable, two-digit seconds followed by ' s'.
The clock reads 6 h 29 min
